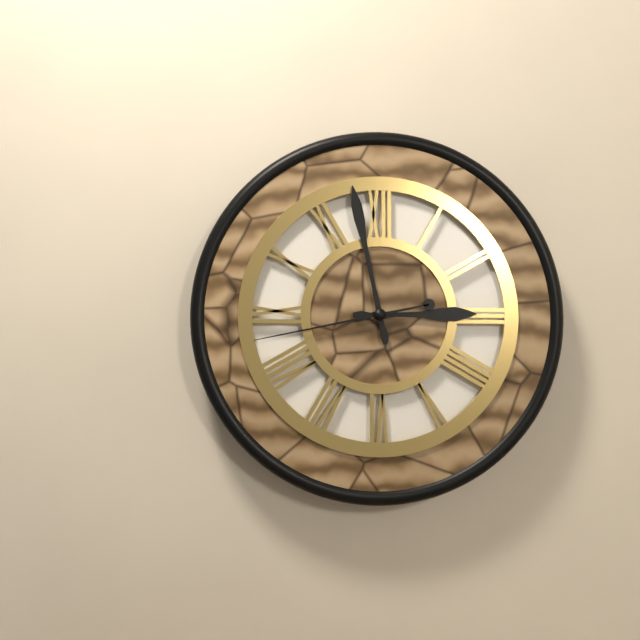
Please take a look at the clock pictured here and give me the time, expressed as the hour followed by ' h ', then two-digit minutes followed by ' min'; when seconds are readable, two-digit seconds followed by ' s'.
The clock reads 2 h 58 min 43 s
